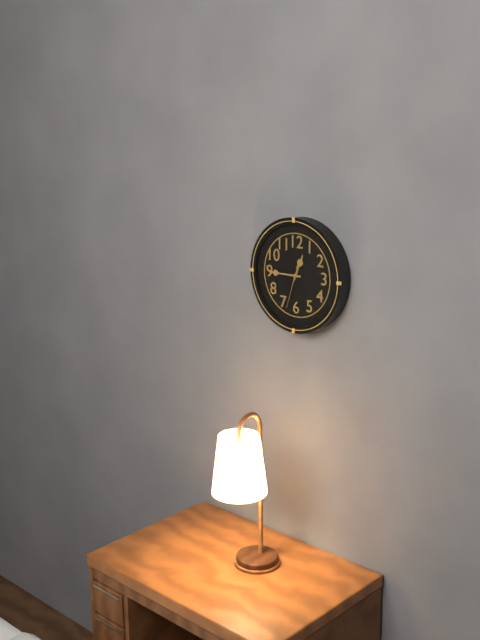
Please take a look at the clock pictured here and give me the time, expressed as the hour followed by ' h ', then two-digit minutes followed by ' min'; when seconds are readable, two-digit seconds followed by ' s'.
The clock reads 12 h 45 min
